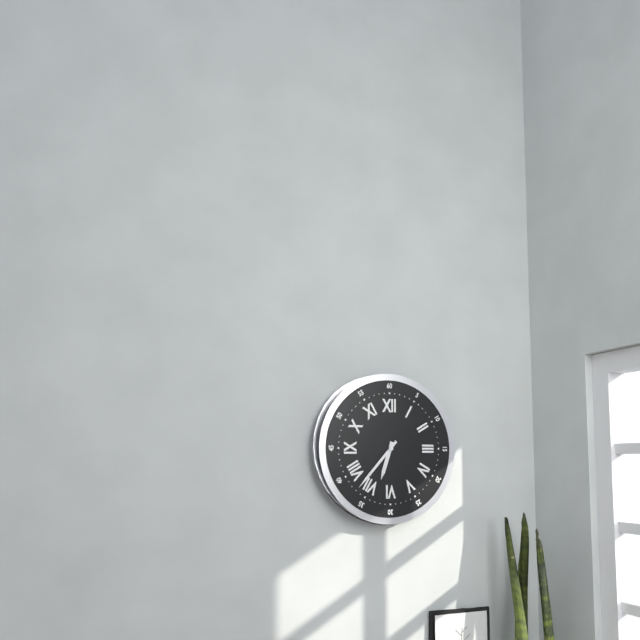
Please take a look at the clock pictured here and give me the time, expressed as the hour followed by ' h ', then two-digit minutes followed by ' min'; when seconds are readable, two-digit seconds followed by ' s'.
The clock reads 6 h 37 min
